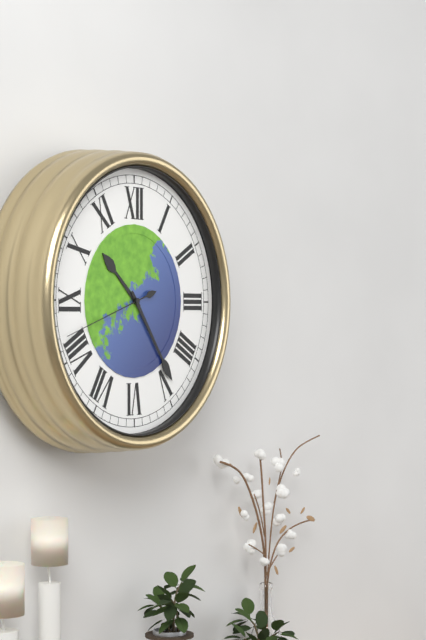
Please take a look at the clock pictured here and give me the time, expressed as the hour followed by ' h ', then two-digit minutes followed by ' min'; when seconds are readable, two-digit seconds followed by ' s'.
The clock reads 10 h 24 min 42 s
